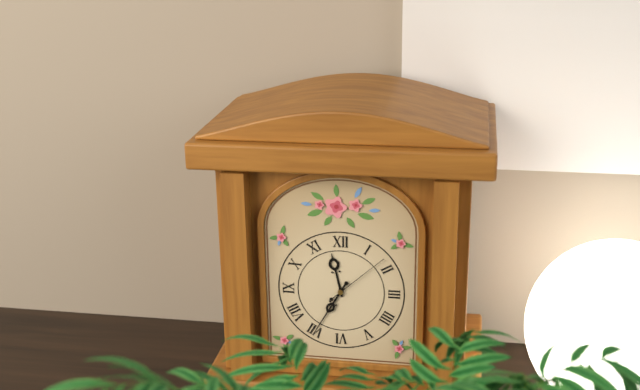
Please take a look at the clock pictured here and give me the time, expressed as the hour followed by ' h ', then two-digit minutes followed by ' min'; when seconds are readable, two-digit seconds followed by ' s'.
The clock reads 11 h 35 min
